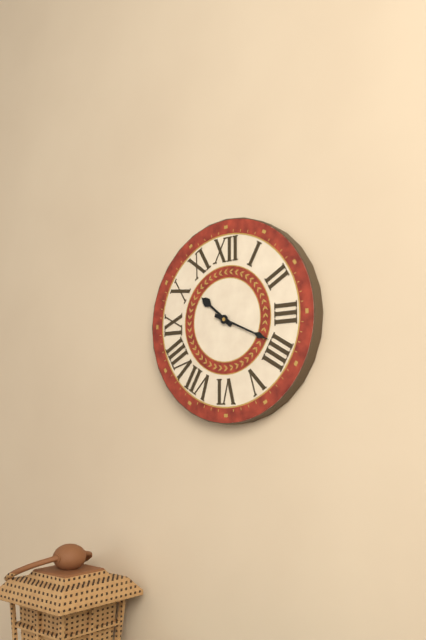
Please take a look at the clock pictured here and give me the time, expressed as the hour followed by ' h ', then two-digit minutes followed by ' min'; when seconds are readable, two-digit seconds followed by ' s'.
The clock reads 10 h 19 min
